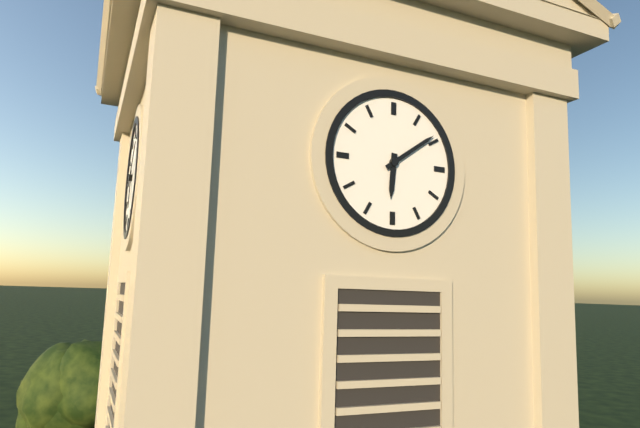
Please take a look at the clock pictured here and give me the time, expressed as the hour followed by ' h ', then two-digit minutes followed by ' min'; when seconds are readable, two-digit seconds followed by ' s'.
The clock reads 6 h 09 min
